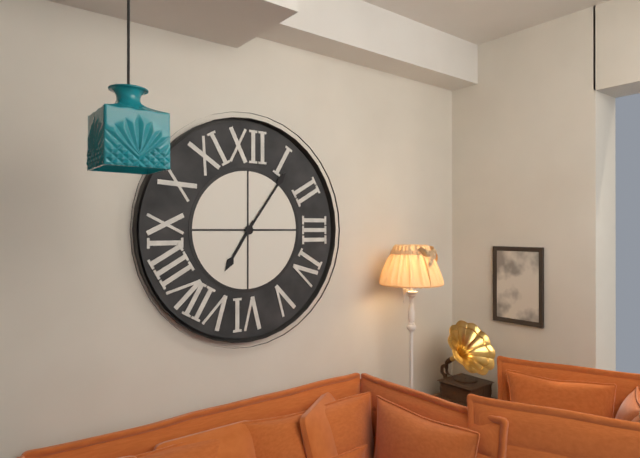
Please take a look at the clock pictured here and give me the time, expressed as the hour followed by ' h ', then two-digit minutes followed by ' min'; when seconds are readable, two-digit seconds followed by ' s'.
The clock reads 7 h 06 min
